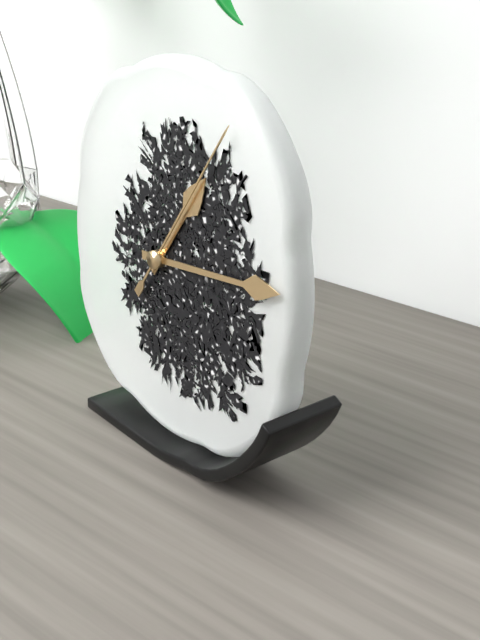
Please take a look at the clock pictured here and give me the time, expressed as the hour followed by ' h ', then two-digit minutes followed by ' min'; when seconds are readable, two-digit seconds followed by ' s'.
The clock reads 1 h 14 min 06 s
